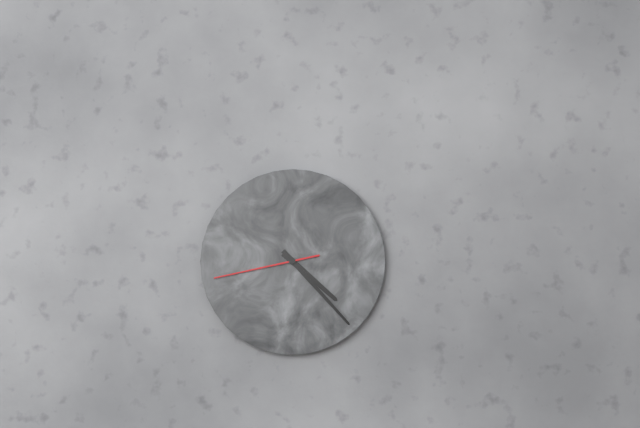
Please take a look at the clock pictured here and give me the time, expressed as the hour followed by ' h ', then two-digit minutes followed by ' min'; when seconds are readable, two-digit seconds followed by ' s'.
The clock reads 4 h 23 min 43 s
